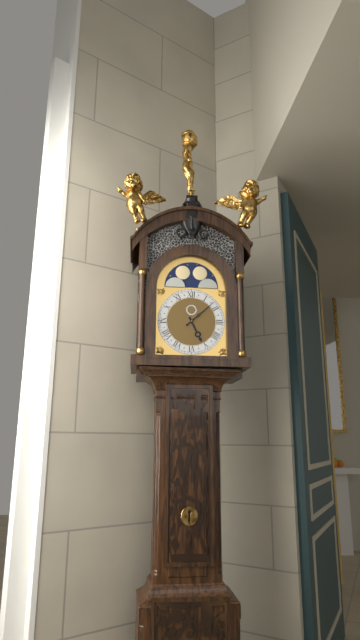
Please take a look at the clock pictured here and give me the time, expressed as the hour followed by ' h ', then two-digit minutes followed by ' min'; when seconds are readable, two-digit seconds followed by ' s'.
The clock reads 5 h 08 min
